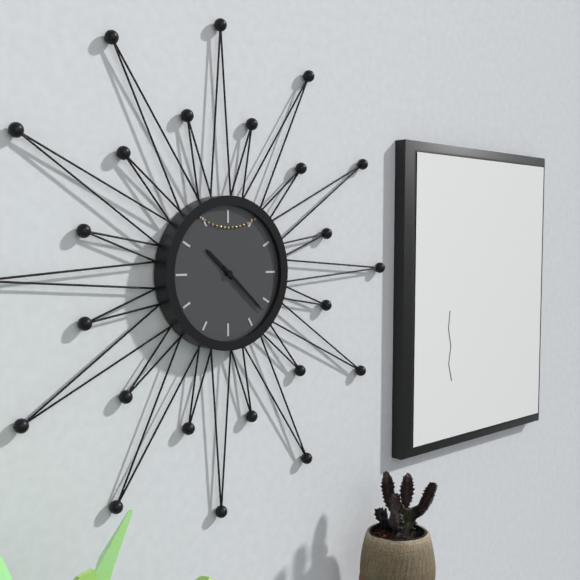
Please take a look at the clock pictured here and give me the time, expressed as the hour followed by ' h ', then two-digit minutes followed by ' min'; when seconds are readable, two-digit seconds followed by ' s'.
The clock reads 10 h 22 min
